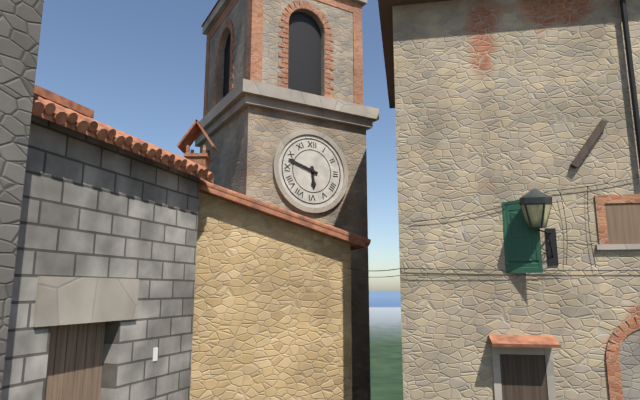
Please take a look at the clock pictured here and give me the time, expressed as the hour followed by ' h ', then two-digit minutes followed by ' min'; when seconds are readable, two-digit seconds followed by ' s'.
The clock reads 5 h 48 min
